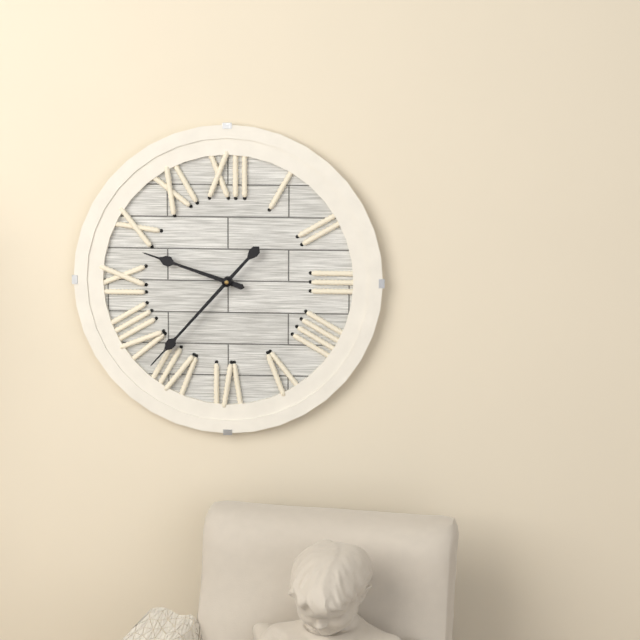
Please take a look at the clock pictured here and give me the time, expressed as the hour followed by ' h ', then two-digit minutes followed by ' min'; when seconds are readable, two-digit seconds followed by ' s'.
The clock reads 9 h 37 min
